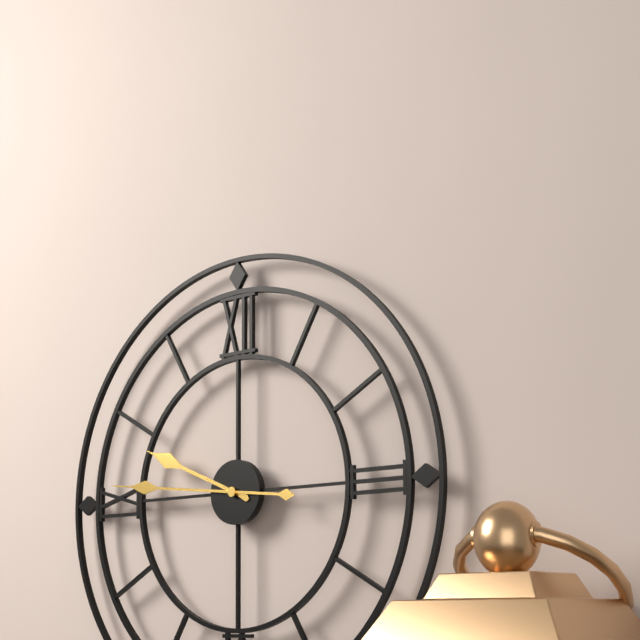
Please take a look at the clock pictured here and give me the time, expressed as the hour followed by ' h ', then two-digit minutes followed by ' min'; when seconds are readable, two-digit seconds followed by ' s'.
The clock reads 9 h 46 min
